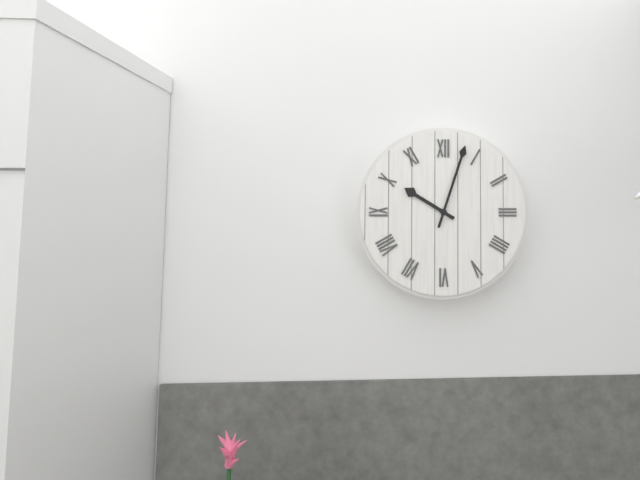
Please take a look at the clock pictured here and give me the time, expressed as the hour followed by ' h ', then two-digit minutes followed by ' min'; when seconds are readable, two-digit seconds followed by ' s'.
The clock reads 10 h 03 min
